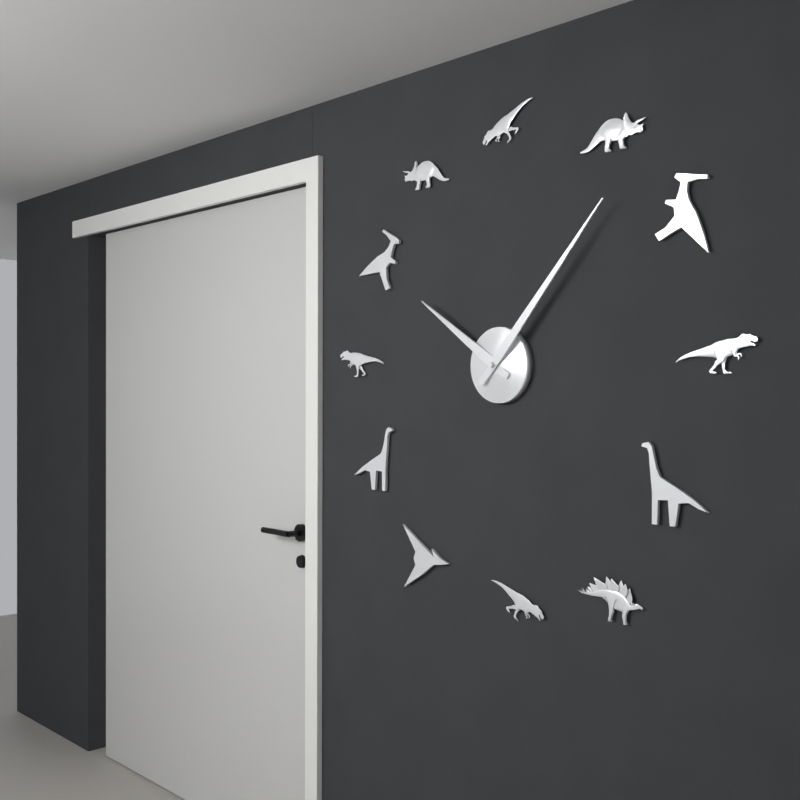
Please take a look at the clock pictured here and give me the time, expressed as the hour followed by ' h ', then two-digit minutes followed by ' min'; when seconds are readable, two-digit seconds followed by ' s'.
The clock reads 10 h 07 min
